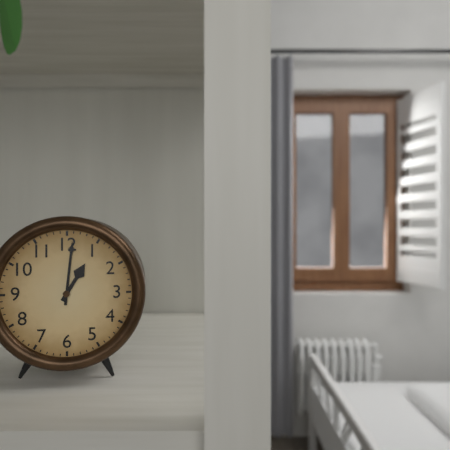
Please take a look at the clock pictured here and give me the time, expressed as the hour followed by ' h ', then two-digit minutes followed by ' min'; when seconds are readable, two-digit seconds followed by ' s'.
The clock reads 1 h 01 min
